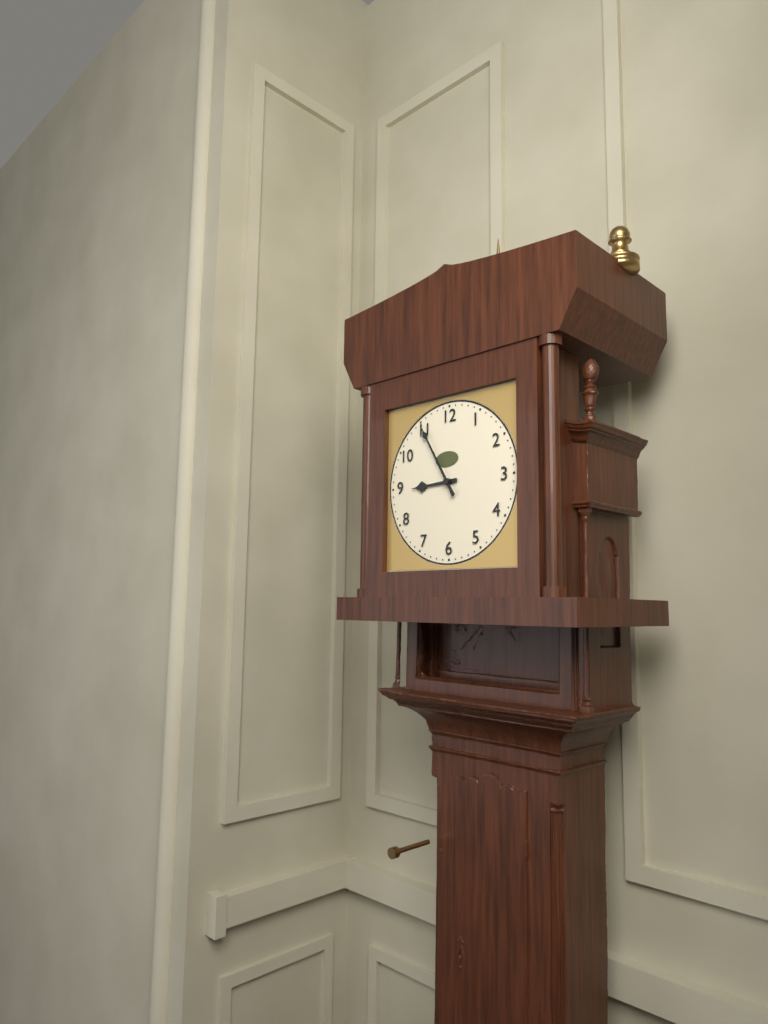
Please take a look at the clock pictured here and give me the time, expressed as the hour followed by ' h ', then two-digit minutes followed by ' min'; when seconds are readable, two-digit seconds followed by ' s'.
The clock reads 8 h 55 min
